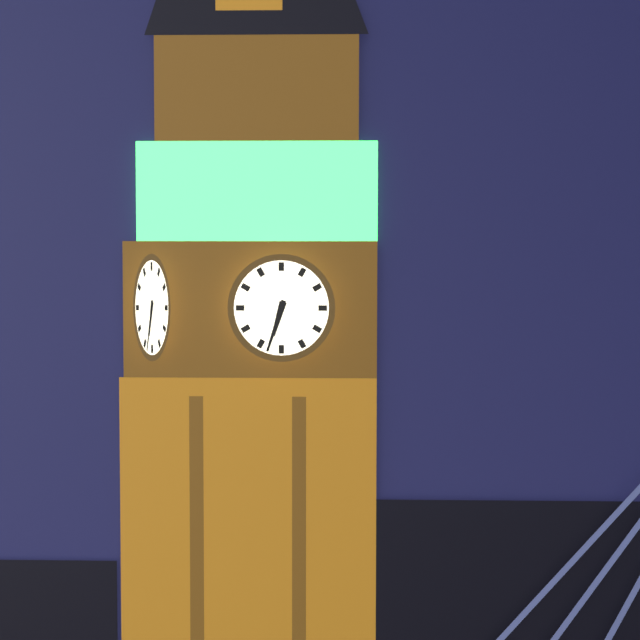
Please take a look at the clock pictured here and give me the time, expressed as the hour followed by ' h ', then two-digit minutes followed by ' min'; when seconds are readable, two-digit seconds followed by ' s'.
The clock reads 6 h 33 min
